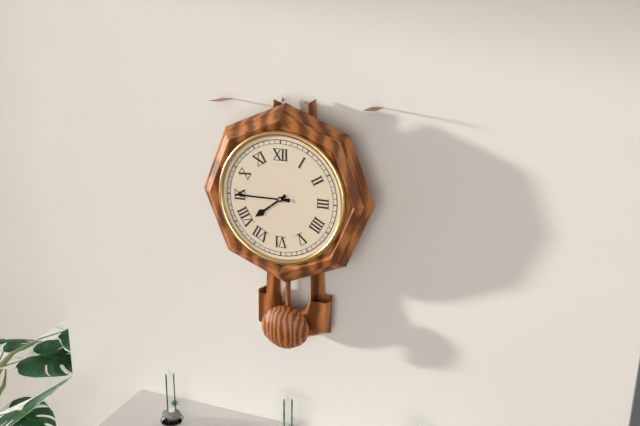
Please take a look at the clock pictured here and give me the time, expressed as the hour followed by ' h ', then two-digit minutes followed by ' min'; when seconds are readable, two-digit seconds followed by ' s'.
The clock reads 7 h 45 min
